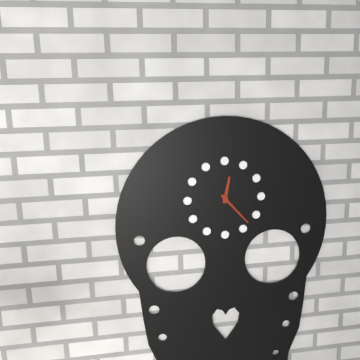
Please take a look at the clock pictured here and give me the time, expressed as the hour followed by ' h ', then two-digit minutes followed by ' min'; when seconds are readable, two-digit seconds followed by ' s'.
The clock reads 12 h 23 min
